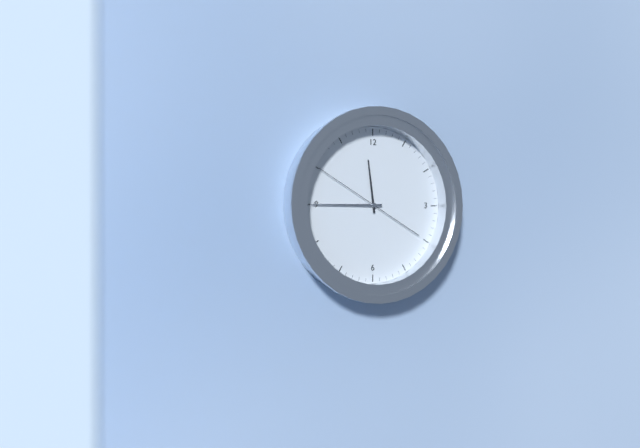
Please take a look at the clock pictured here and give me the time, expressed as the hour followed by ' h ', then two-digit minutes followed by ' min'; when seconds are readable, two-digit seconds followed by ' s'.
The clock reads 11 h 45 min 50 s
